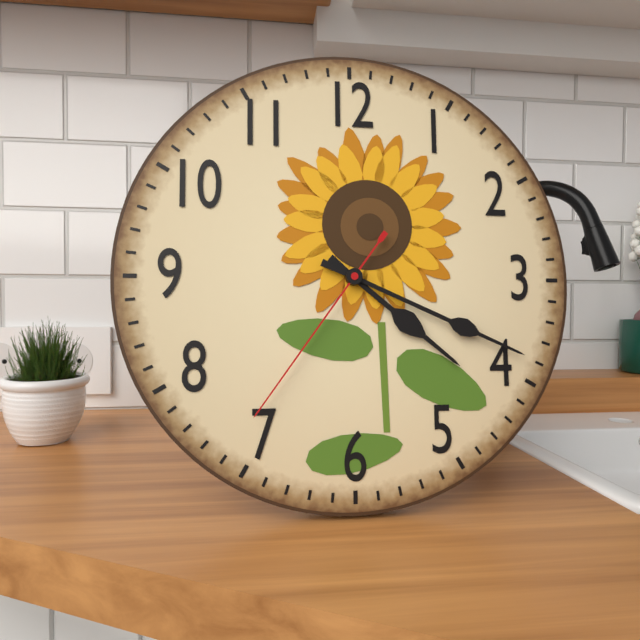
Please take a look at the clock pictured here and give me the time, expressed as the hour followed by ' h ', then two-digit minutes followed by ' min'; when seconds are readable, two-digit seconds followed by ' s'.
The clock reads 4 h 19 min 36 s
